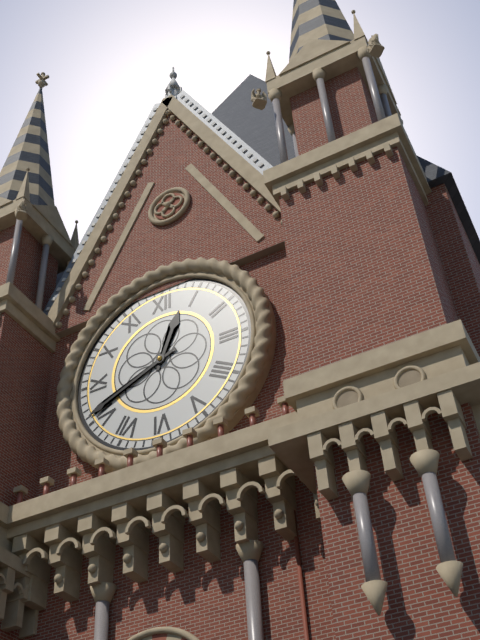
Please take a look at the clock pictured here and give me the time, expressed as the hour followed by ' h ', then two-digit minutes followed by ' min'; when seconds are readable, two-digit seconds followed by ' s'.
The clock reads 12 h 41 min
